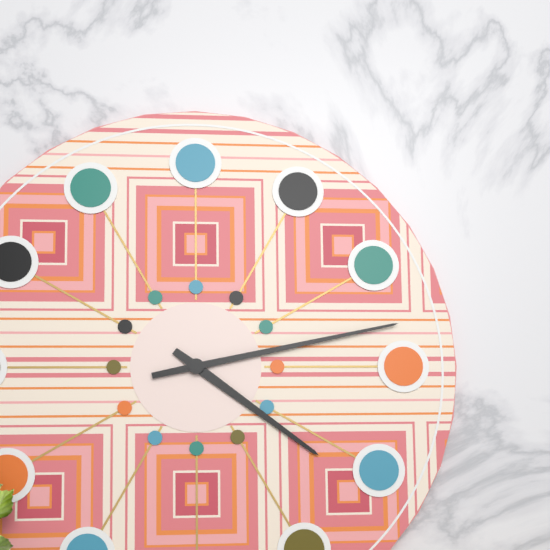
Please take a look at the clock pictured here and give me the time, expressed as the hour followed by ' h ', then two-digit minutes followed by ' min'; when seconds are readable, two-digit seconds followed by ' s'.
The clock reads 4 h 13 min
